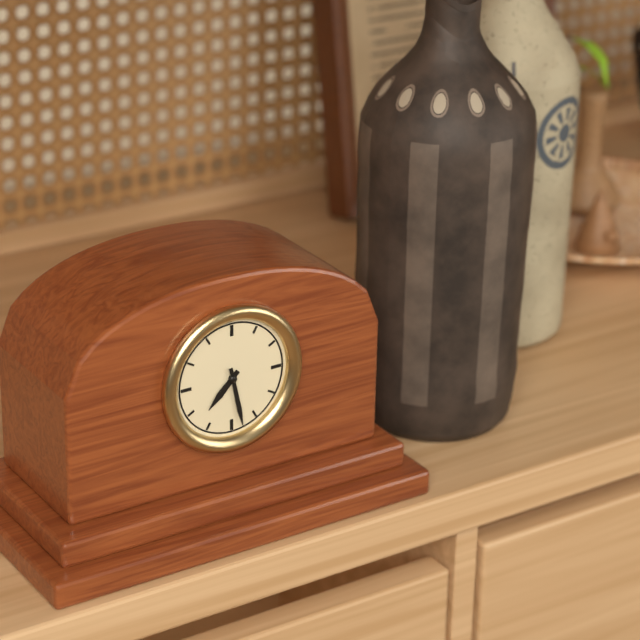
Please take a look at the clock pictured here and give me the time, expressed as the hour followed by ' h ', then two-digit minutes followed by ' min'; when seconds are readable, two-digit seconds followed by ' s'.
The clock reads 7 h 28 min
